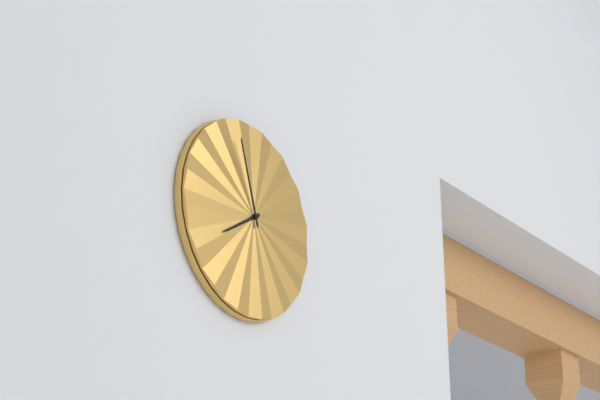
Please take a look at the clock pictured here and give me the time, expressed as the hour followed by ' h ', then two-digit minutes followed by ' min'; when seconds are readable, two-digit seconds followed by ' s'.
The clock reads 7 h 57 min
